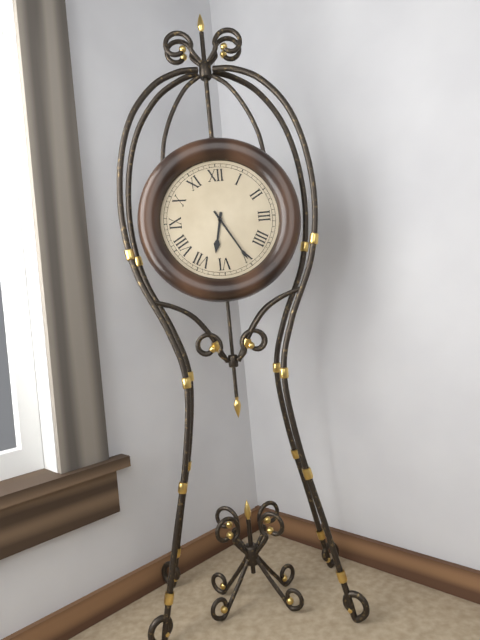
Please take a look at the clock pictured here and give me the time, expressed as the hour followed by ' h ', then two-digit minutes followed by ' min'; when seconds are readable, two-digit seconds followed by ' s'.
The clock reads 6 h 25 min
